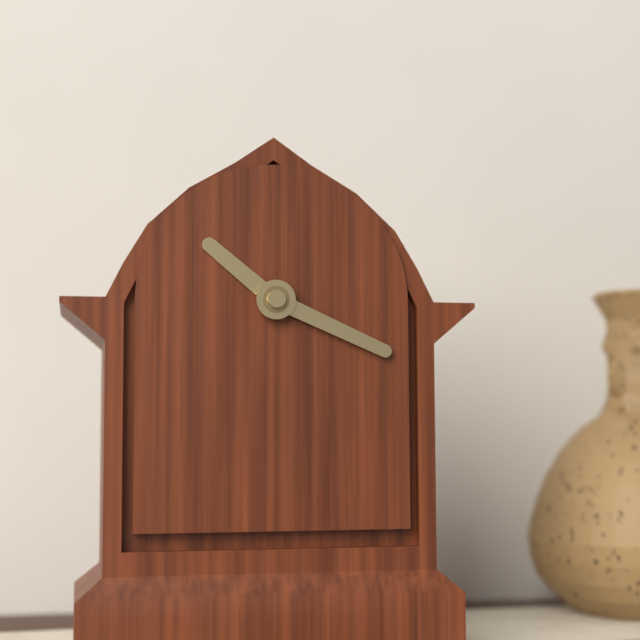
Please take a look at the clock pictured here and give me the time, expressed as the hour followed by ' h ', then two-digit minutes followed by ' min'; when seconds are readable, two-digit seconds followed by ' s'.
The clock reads 10 h 19 min
